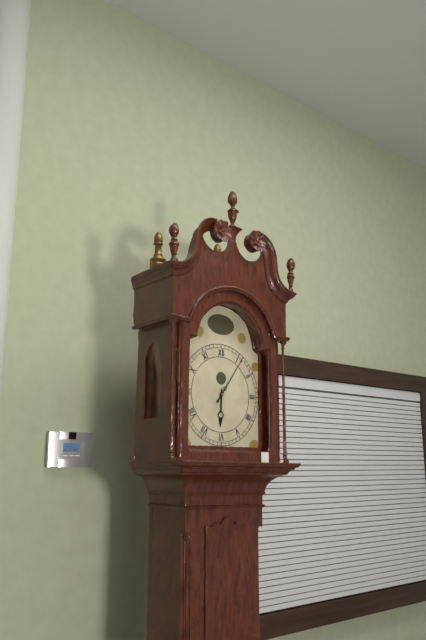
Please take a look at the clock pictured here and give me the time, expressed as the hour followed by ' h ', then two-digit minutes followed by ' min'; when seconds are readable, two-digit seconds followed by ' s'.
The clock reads 6 h 06 min
